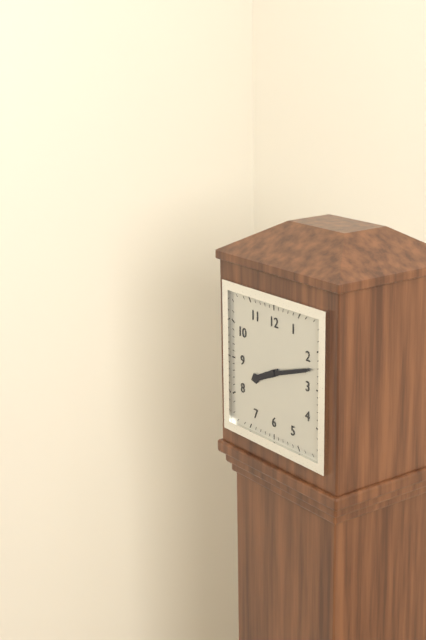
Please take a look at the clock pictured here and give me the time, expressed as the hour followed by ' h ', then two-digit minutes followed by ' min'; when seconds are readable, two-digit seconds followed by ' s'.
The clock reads 8 h 12 min
